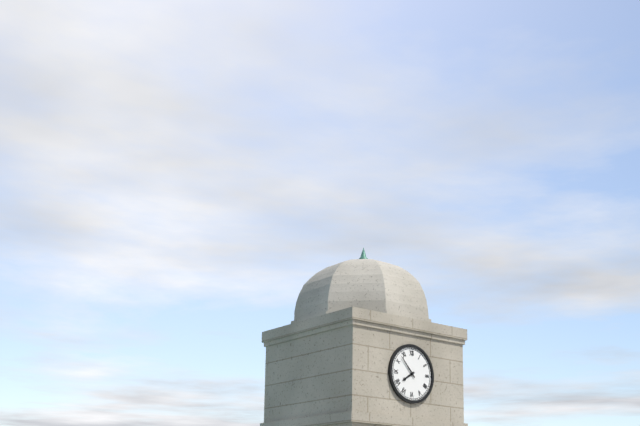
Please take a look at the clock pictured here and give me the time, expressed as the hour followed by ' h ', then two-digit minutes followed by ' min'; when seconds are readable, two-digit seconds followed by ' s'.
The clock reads 7 h 53 min
